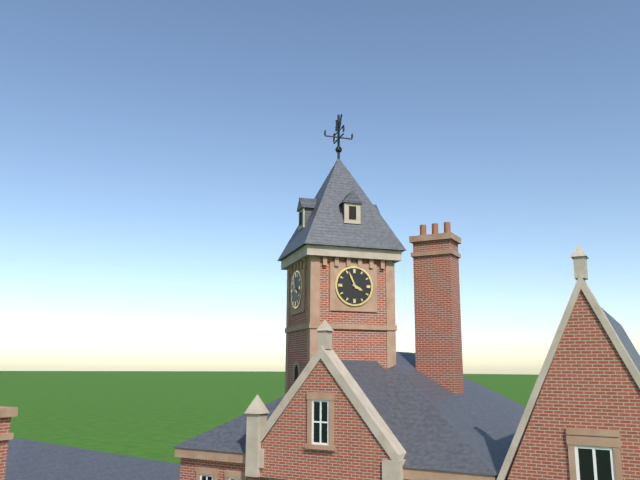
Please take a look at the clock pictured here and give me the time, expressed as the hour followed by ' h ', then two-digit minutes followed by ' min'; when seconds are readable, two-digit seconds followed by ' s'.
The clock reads 3 h 56 min
